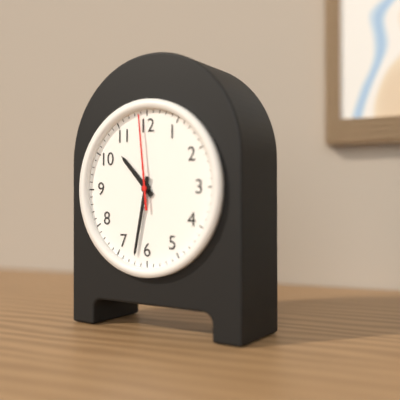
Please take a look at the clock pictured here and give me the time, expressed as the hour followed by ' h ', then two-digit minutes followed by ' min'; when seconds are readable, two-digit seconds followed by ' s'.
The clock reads 10 h 32 min 59 s
